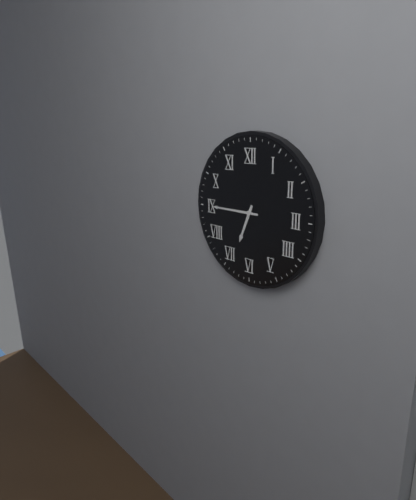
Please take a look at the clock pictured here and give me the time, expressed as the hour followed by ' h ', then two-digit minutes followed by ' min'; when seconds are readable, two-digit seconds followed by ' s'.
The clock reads 6 h 45 min
